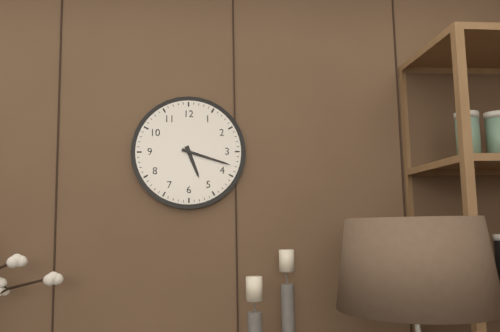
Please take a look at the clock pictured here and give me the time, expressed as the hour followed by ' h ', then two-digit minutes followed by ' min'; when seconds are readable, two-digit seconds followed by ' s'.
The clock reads 5 h 18 min
